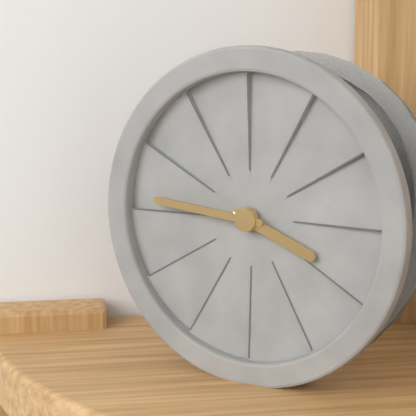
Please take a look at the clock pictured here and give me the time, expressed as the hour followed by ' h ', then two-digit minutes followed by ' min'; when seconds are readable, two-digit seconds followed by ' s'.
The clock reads 3 h 46 min
